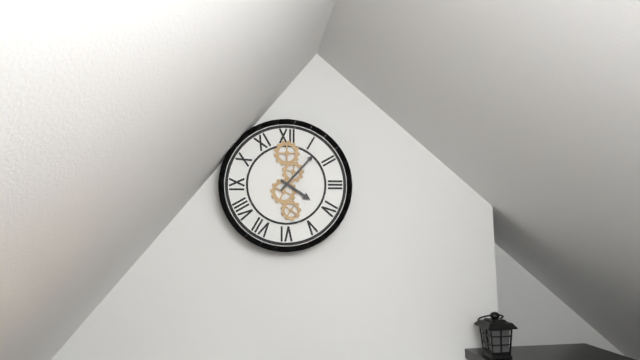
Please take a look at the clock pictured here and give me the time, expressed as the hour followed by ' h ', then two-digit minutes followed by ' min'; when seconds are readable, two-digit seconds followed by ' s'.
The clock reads 4 h 07 min
